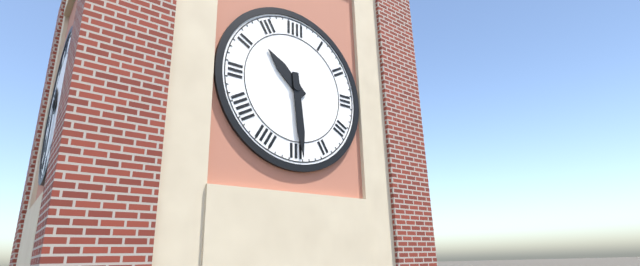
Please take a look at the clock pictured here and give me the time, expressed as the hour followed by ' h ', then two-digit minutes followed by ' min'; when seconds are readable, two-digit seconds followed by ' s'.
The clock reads 10 h 29 min
